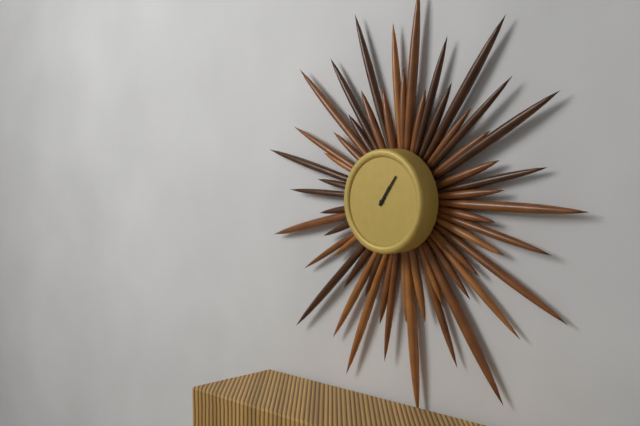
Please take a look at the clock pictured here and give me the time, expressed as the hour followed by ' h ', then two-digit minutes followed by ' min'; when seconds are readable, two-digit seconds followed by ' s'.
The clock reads 1 h 06 min
